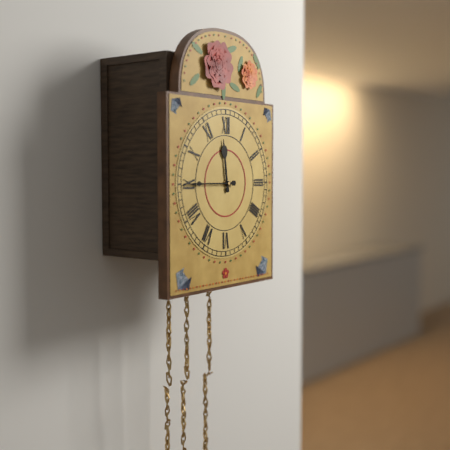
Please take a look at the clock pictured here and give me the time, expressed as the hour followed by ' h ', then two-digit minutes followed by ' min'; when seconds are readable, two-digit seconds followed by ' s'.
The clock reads 11 h 45 min
